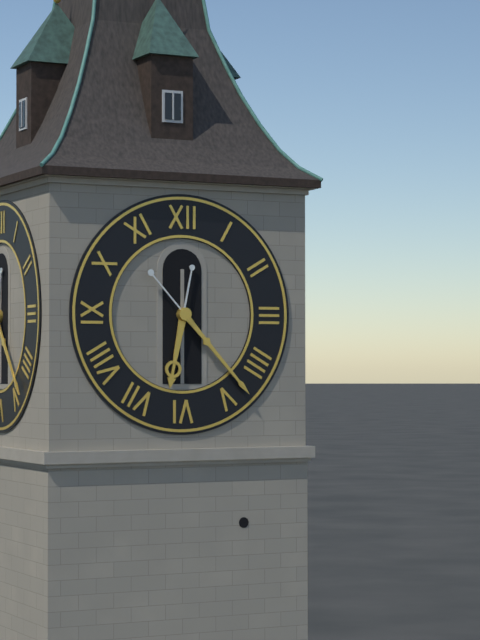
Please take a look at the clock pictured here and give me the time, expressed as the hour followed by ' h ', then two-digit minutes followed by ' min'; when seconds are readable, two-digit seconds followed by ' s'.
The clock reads 6 h 23 min
